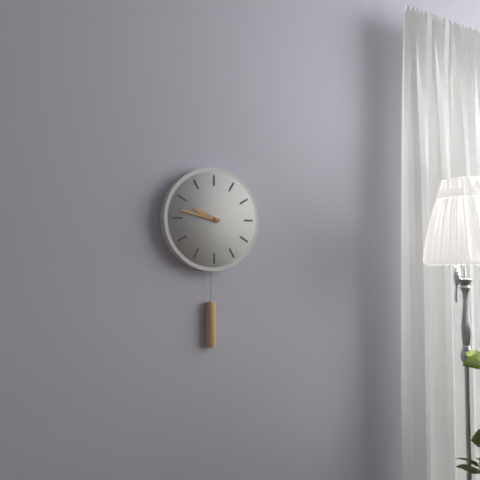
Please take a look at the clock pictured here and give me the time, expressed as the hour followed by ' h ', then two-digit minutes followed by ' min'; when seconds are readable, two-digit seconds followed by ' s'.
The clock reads 9 h 47 min
